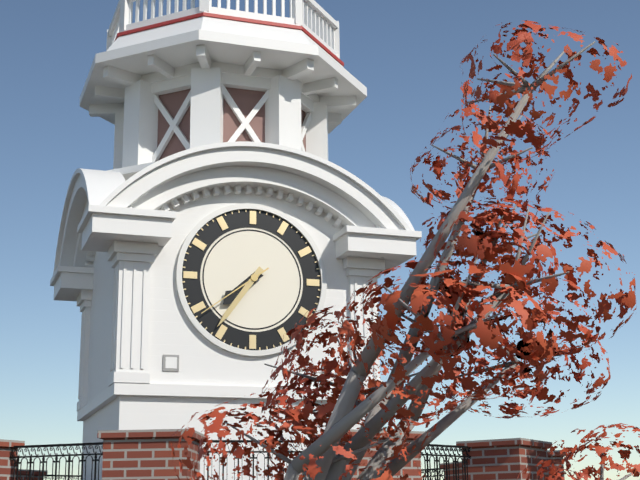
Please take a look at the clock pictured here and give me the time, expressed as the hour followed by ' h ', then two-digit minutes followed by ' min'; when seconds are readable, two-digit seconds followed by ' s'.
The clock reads 7 h 36 min 39 s
